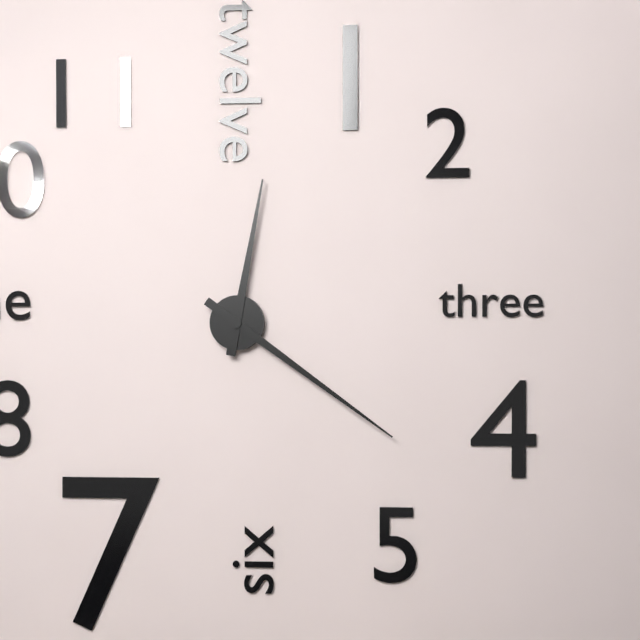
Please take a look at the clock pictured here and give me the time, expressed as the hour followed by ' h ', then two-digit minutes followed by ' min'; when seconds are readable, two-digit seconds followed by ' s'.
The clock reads 12 h 21 min
